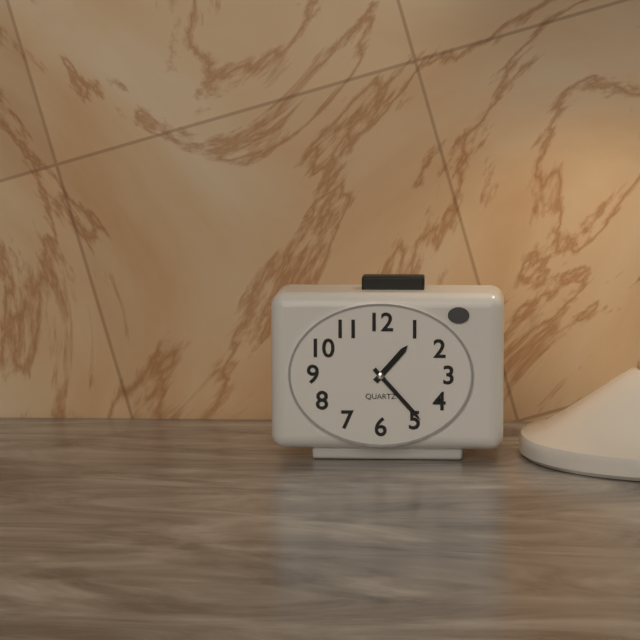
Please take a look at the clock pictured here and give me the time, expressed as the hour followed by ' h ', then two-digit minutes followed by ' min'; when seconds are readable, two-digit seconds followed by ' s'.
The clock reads 1 h 23 min
